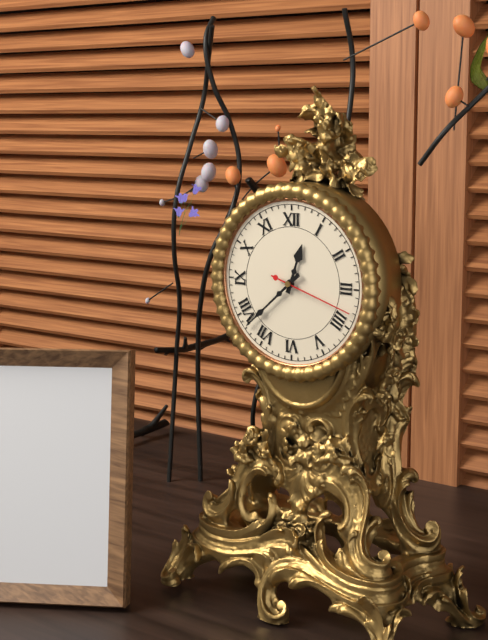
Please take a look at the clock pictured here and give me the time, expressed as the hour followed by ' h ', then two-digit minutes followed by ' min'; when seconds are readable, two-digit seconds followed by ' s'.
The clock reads 12 h 38 min 18 s
